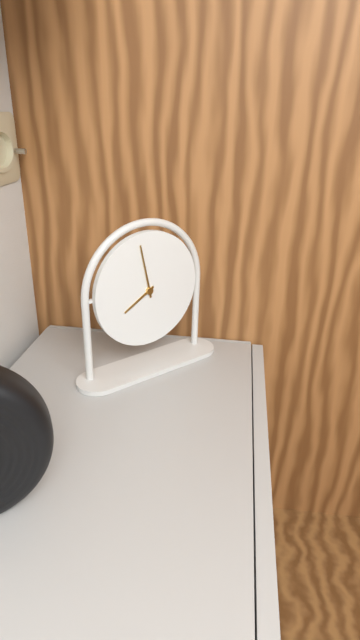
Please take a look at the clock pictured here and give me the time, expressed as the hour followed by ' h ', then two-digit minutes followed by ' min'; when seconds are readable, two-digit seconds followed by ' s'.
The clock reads 7 h 58 min
